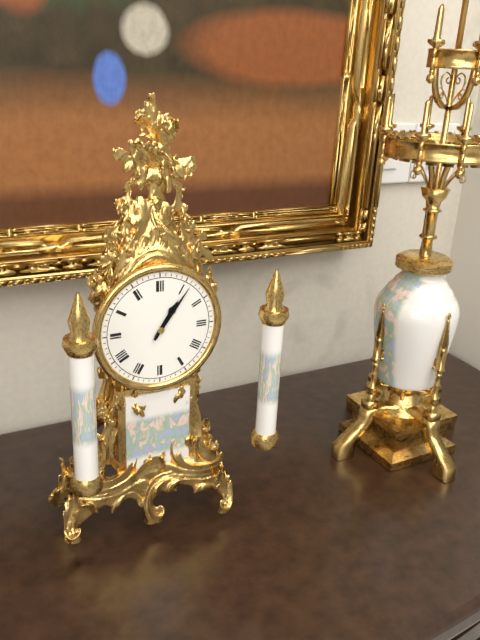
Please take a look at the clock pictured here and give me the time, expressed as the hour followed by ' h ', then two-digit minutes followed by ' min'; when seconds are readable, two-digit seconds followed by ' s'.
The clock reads 1 h 06 min
